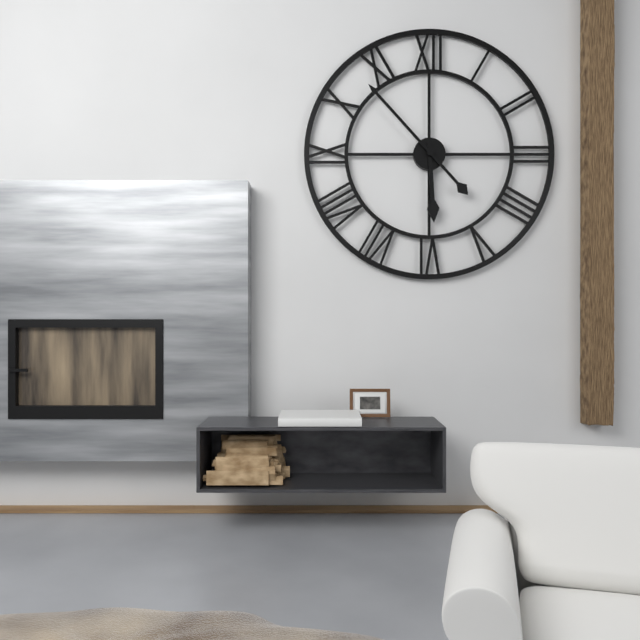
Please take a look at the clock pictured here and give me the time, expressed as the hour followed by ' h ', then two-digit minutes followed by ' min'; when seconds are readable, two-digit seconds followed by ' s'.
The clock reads 5 h 53 min
